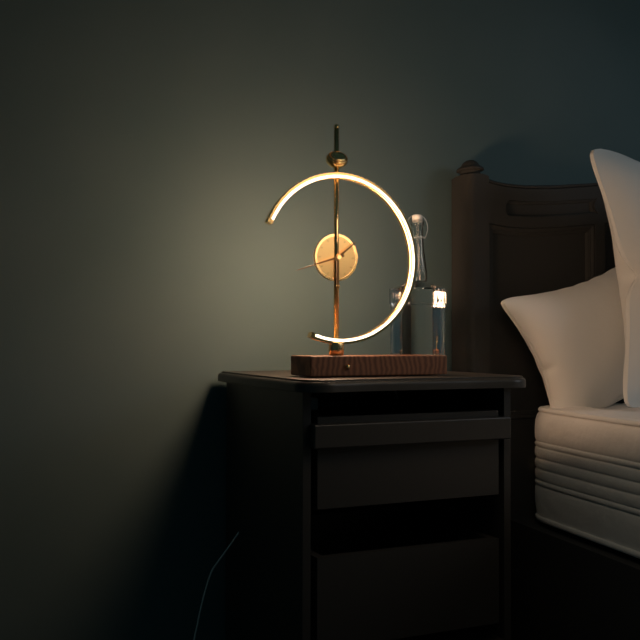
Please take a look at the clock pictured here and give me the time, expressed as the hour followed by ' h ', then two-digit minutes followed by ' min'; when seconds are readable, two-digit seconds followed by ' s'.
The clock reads 1 h 42 min
